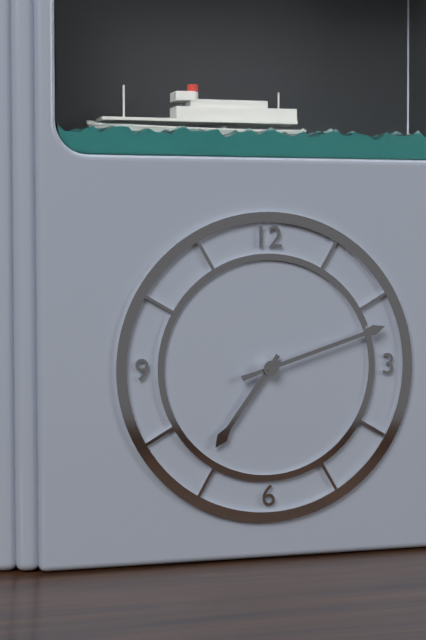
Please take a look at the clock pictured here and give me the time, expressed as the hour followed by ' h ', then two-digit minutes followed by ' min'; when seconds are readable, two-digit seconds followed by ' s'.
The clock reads 7 h 12 min
